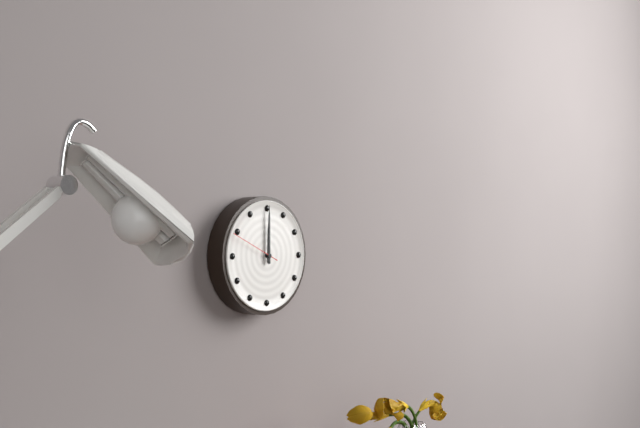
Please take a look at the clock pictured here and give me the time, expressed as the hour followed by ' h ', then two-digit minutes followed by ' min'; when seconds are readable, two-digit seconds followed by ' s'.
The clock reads 12 h 00 min
